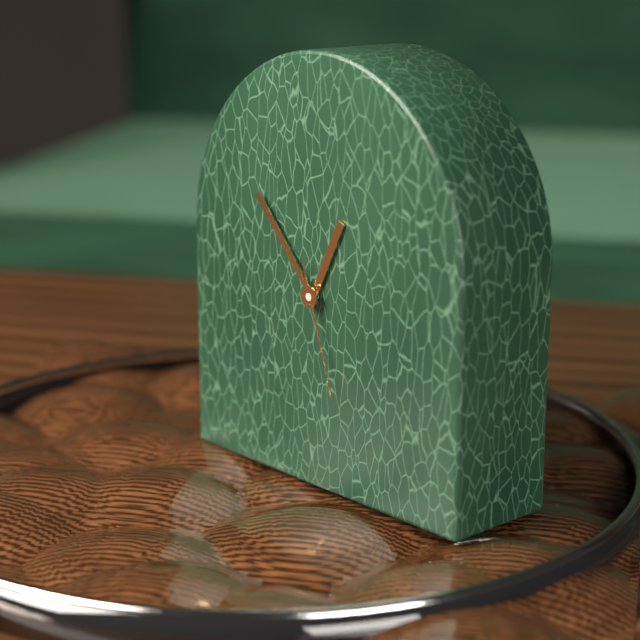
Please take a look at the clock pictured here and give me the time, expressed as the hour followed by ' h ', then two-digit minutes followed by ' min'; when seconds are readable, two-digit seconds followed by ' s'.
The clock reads 12 h 53 min 27 s
